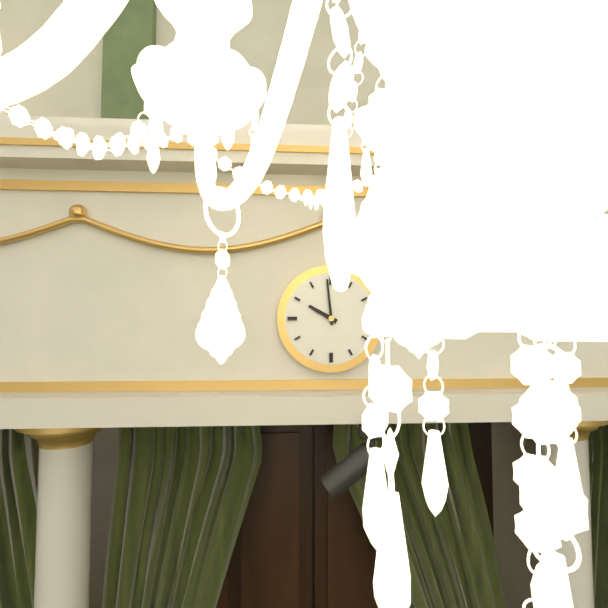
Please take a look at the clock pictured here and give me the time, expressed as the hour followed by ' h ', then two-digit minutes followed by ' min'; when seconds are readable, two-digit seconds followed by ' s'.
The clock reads 9 h 59 min
